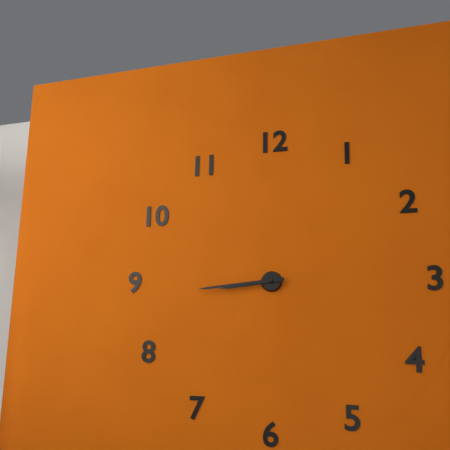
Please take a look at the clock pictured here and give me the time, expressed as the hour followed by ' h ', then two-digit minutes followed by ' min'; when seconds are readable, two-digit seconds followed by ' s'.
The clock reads 8 h 44 min
